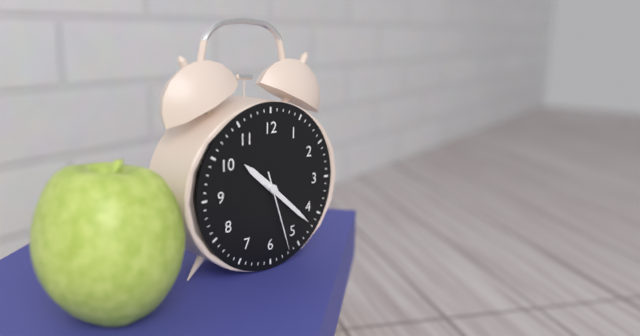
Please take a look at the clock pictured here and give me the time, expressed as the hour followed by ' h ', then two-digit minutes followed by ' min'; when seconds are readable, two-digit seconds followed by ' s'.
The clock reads 10 h 22 min 27 s
